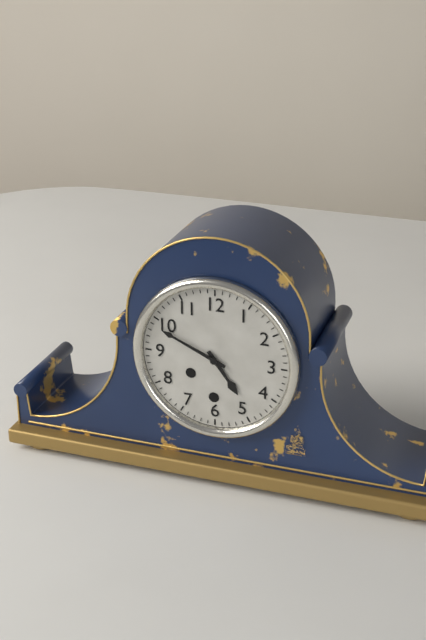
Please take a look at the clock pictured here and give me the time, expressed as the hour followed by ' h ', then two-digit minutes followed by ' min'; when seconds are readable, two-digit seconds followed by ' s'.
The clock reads 4 h 49 min
